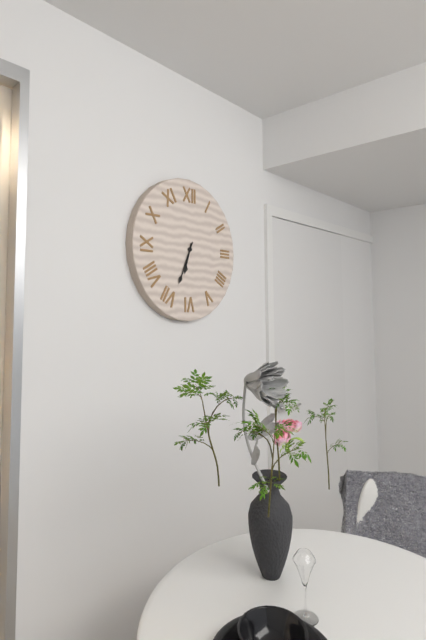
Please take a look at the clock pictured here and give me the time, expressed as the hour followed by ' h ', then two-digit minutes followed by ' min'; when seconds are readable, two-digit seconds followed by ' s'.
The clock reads 6 h 34 min
